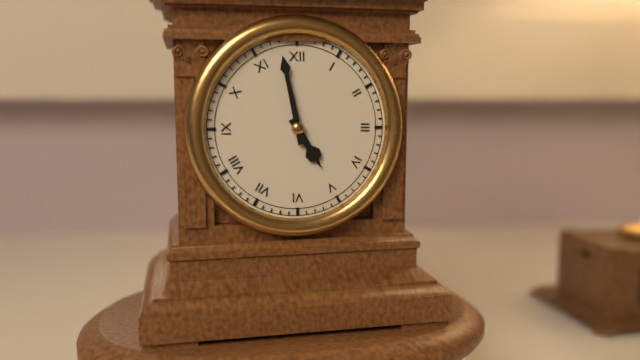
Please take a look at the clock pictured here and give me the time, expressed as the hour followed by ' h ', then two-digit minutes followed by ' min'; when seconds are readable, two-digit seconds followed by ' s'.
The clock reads 4 h 58 min
